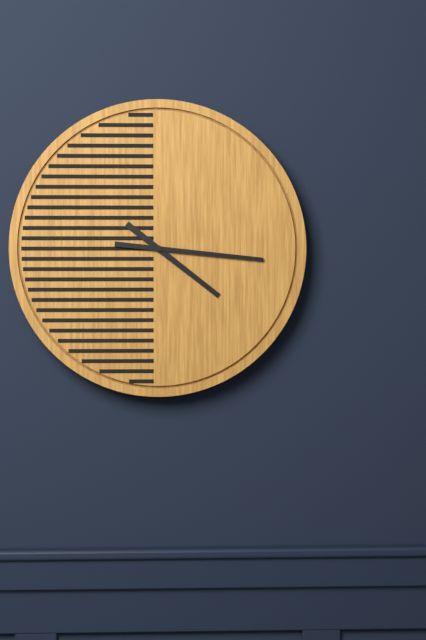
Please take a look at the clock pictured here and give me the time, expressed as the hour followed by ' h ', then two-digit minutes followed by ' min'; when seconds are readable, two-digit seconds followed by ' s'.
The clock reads 4 h 16 min
